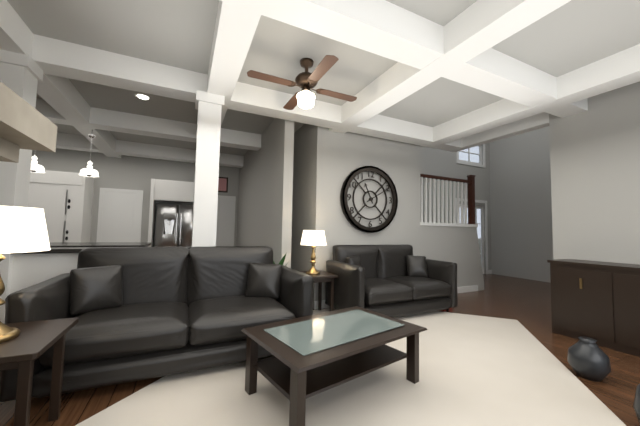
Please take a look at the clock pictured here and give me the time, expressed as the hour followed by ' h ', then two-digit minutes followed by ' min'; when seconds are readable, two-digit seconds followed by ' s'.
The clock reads 11 h 10 min
